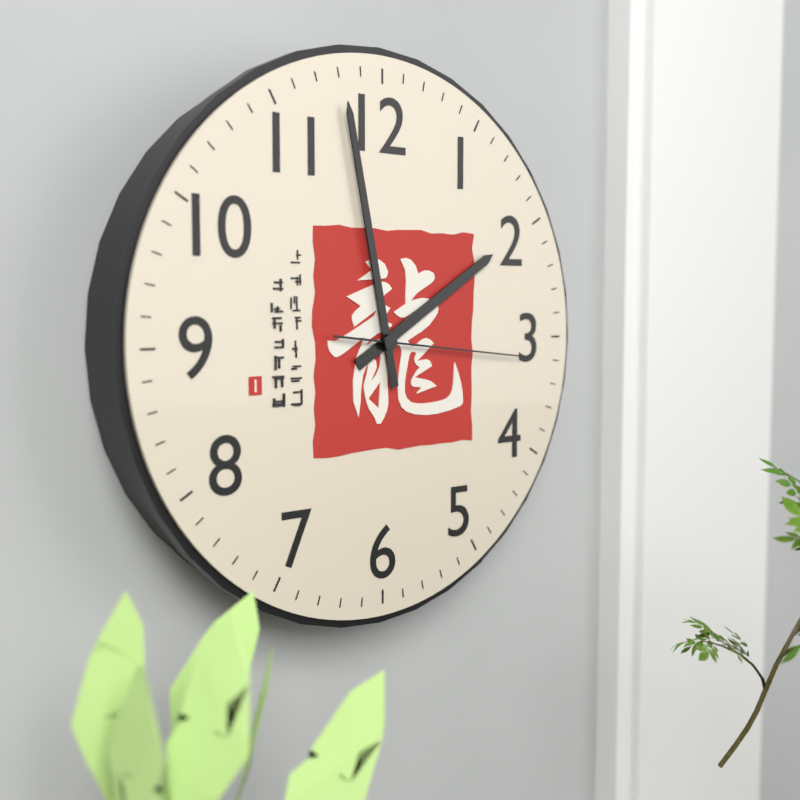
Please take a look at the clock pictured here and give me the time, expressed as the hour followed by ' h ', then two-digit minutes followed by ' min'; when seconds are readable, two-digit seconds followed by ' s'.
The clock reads 1 h 58 min 16 s
